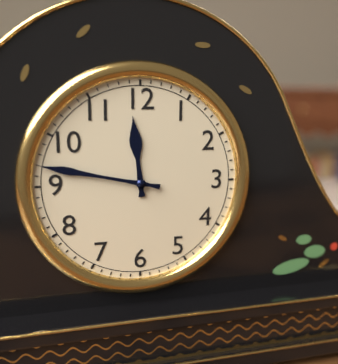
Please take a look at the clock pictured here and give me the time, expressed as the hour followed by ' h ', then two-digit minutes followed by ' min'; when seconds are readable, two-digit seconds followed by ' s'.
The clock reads 11 h 47 min
